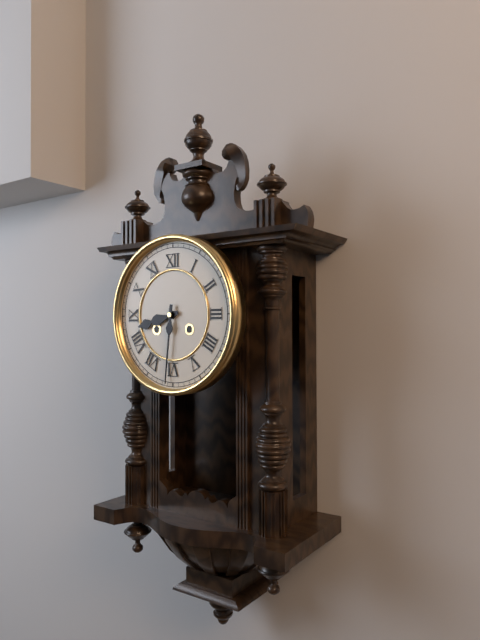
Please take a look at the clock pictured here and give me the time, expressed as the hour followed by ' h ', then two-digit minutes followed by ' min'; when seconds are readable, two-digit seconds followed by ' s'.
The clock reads 8 h 31 min
